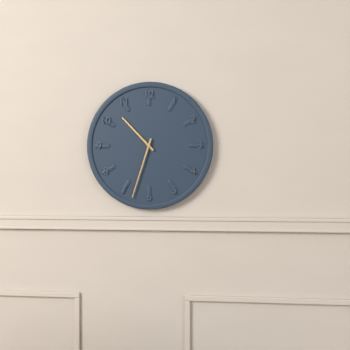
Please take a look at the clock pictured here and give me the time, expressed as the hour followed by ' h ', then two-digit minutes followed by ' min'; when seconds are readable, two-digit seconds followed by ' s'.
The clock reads 10 h 33 min
